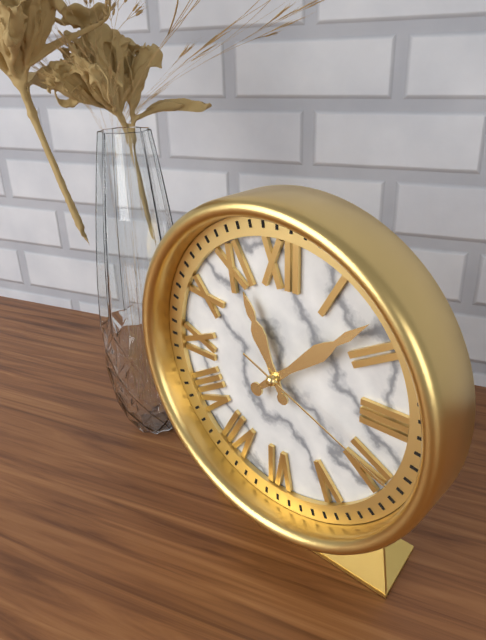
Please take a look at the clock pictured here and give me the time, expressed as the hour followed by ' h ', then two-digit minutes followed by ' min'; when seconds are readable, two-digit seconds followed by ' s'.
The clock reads 11 h 08 min 19 s
